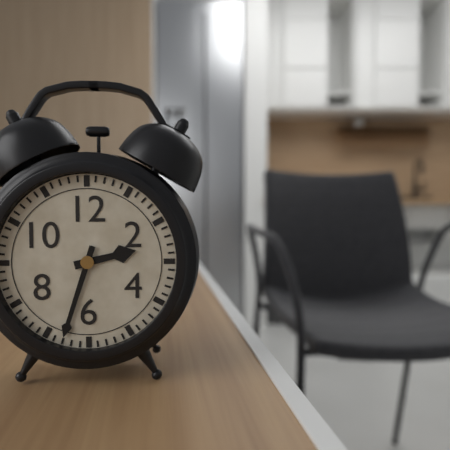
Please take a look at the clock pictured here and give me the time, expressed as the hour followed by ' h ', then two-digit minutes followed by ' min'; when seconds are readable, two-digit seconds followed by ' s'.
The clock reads 2 h 33 min
